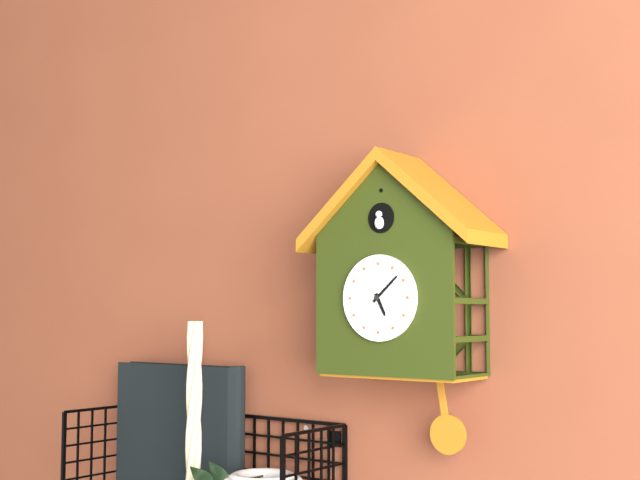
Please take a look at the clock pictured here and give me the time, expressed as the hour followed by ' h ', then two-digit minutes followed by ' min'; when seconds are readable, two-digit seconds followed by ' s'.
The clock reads 5 h 08 min
